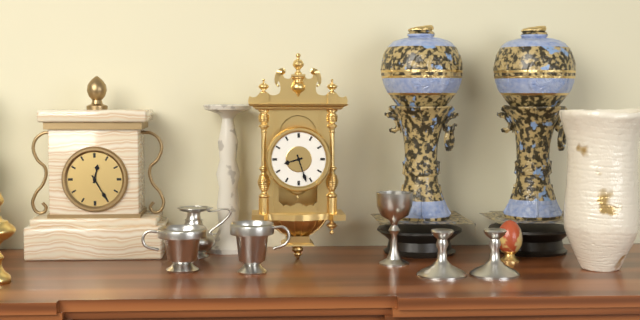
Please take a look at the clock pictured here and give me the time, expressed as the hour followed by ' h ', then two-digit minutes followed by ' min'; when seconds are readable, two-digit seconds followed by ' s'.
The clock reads 8 h 27 min
